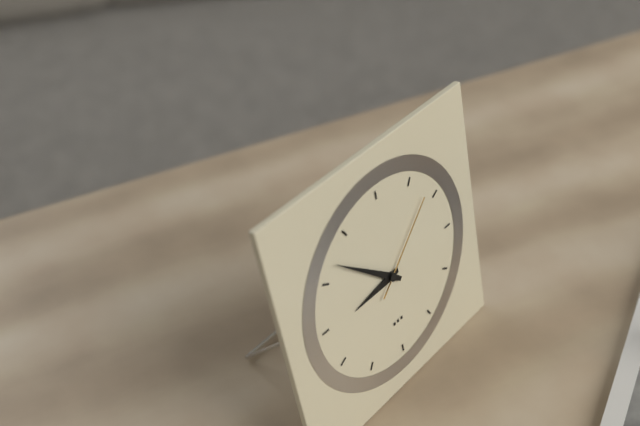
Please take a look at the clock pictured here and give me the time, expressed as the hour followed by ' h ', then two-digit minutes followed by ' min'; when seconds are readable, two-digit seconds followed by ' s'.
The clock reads 8 h 52 min 08 s
